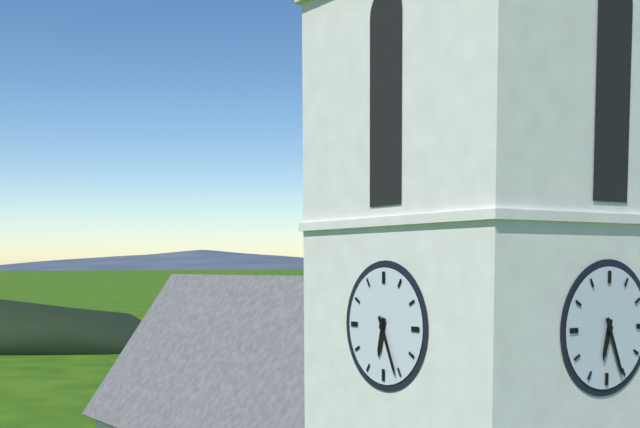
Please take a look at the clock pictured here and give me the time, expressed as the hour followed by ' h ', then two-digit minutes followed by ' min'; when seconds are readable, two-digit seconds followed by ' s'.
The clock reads 6 h 26 min
